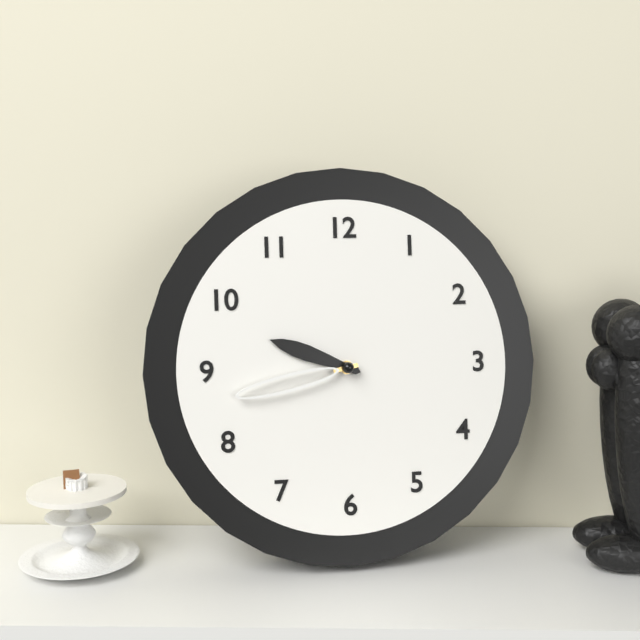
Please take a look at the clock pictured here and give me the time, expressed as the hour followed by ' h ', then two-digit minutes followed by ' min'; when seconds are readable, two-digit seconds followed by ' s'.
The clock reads 9 h 43 min
